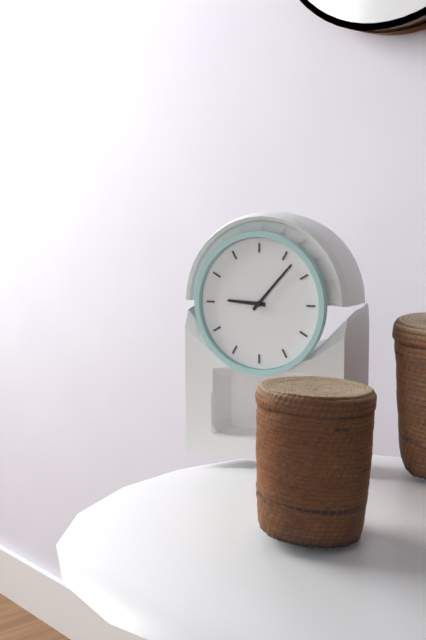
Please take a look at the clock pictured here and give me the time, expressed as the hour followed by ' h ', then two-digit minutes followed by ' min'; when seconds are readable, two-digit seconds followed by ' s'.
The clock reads 9 h 07 min
